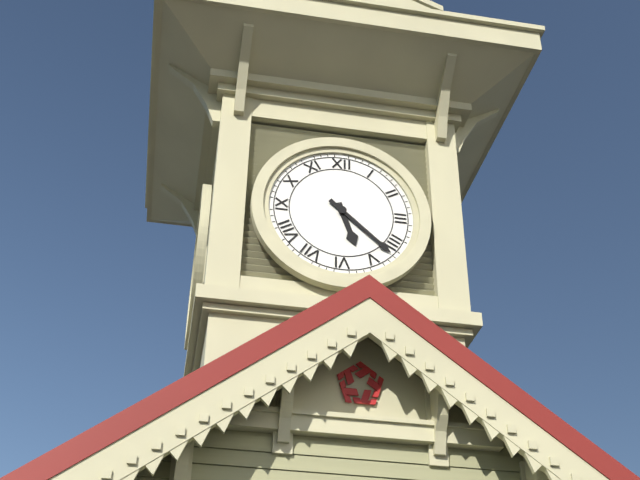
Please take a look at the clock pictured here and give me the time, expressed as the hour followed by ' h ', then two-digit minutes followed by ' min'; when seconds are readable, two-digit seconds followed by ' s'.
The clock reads 5 h 22 min
